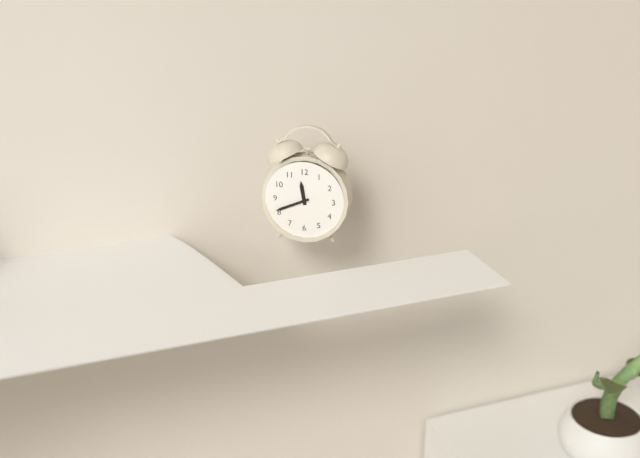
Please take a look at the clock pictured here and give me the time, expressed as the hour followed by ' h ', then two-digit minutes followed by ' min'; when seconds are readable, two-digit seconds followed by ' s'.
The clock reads 11 h 41 min
